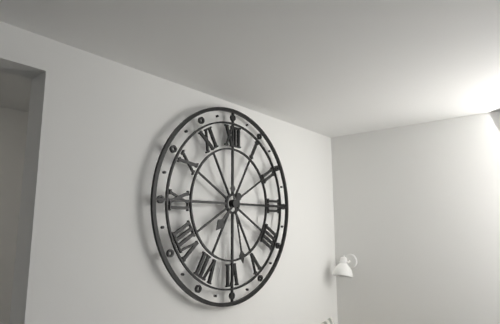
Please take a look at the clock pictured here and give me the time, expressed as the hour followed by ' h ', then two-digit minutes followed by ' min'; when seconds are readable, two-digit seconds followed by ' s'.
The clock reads 7 h 28 min
